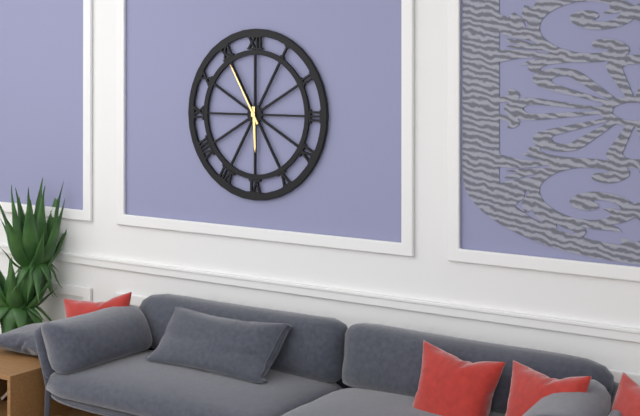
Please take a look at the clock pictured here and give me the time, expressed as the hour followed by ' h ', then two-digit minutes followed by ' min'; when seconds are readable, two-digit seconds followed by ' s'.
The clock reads 5 h 55 min
